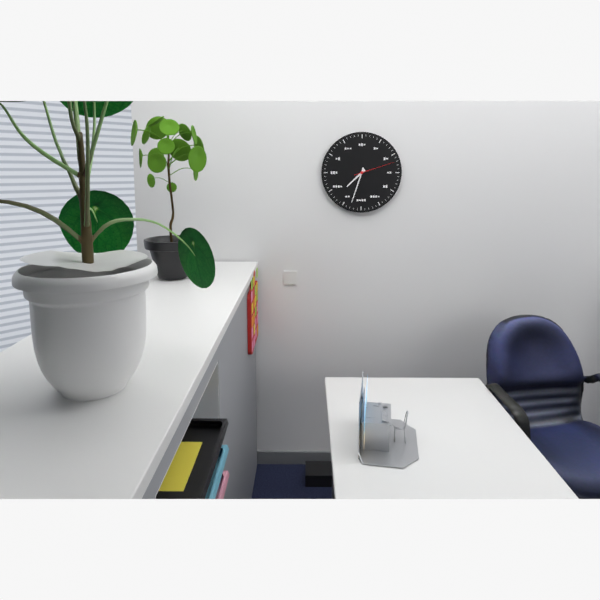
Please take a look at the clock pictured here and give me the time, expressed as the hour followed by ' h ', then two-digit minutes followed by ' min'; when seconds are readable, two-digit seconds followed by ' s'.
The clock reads 7 h 33 min
